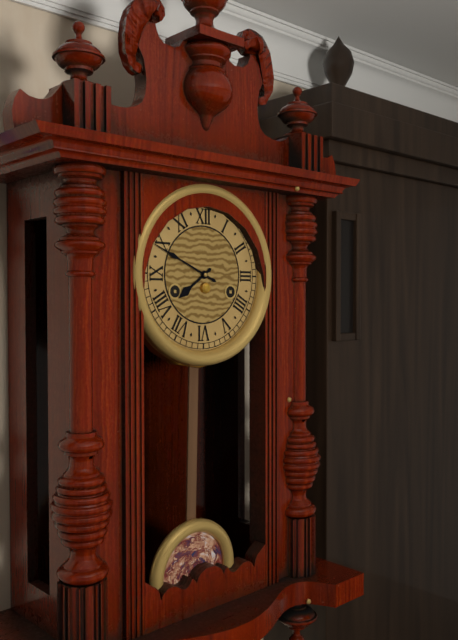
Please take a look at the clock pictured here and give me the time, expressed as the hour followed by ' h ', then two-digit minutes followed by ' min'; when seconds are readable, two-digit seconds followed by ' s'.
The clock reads 7 h 49 min
